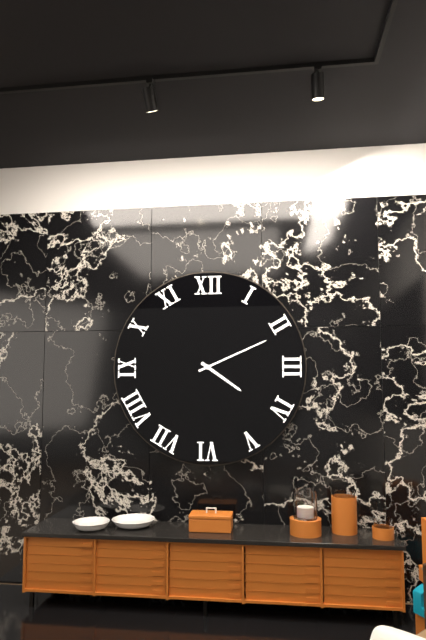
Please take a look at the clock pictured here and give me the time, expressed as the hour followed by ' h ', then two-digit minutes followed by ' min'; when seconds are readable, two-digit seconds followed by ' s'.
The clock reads 4 h 11 min
